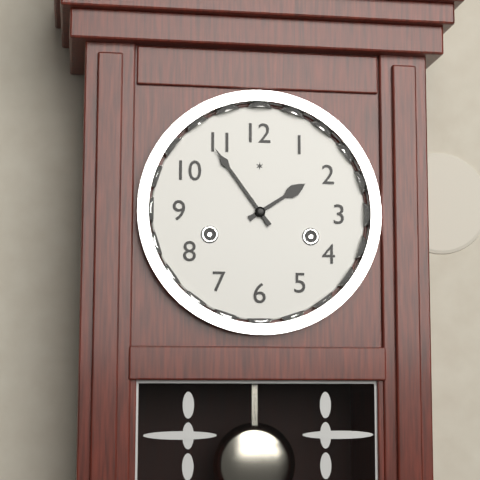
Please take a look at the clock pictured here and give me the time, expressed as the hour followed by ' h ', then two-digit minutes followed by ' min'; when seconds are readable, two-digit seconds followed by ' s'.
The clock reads 1 h 54 min
